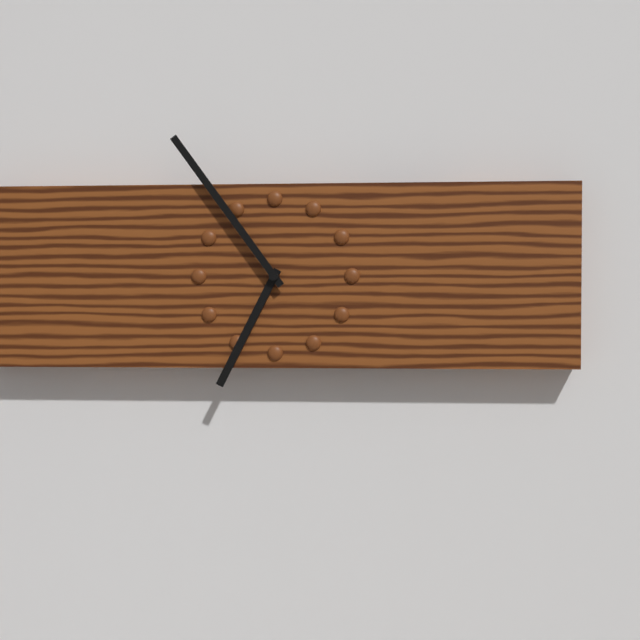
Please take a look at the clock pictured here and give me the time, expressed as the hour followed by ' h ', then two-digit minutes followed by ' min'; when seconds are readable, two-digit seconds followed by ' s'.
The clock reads 6 h 54 min
